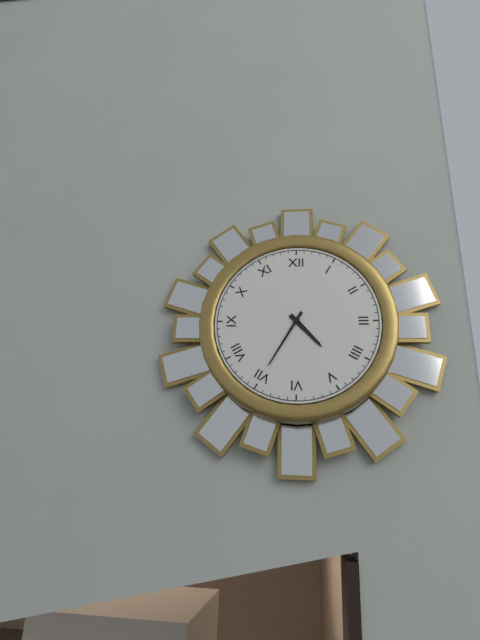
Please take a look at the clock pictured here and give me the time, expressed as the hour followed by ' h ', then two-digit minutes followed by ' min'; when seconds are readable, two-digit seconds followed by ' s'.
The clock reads 4 h 35 min
